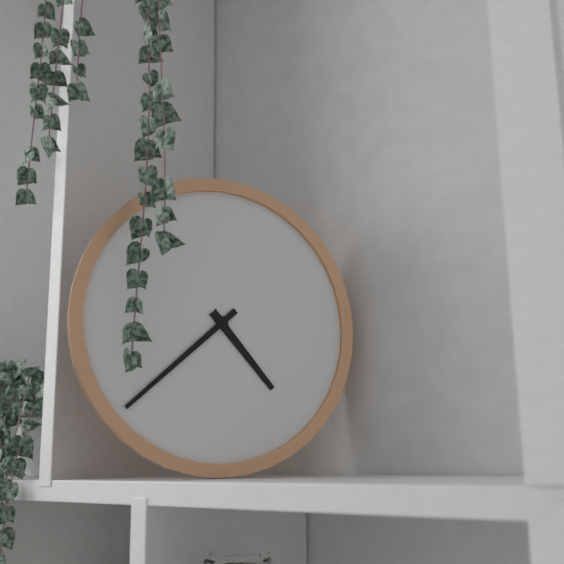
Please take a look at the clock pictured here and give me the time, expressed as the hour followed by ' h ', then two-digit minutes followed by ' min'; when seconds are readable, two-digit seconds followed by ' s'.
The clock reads 4 h 38 min
